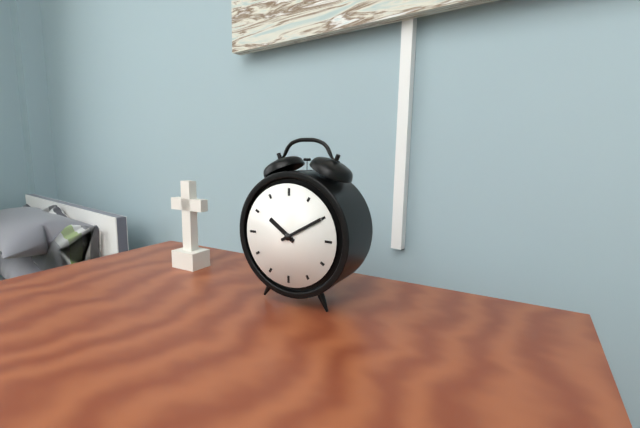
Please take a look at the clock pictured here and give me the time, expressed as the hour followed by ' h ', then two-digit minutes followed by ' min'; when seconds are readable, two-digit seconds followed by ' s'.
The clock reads 10 h 10 min
